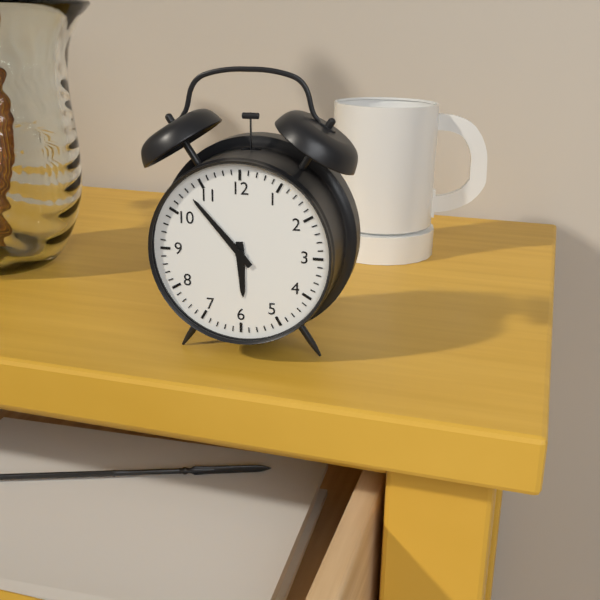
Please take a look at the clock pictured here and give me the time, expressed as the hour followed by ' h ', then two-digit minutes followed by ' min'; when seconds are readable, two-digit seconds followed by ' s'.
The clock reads 5 h 53 min
